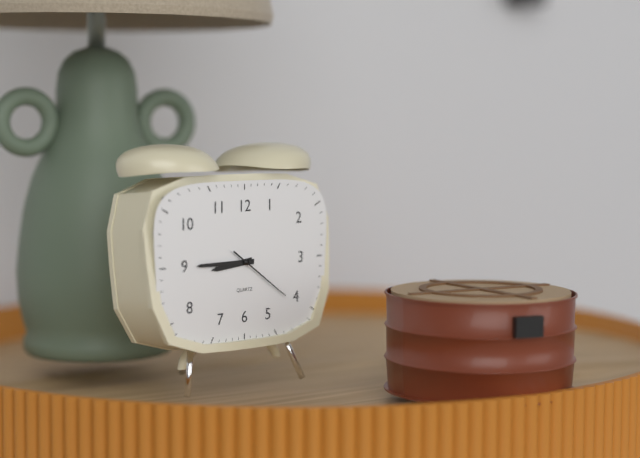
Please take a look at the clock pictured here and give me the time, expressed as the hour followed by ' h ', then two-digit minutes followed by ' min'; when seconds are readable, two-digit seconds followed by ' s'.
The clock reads 8 h 45 min 21 s
